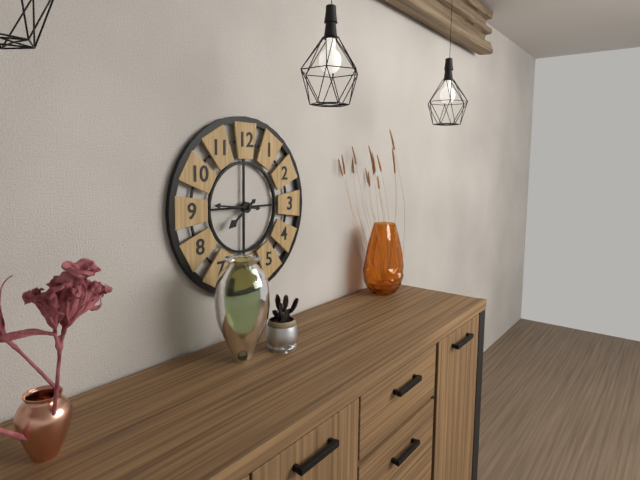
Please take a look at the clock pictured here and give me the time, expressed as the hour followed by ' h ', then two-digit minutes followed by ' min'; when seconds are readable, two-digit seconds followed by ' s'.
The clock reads 7 h 46 min
